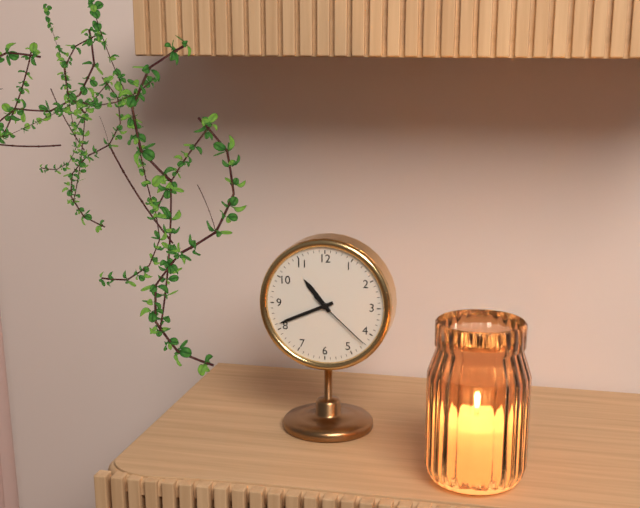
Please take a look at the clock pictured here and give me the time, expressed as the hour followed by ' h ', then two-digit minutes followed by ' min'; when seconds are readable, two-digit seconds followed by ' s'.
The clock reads 10 h 41 min 22 s
